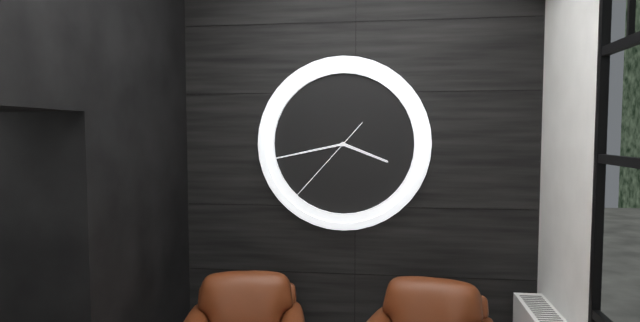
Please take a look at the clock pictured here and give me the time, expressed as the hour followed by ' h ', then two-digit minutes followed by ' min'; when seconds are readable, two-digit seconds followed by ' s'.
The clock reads 3 h 43 min 37 s
